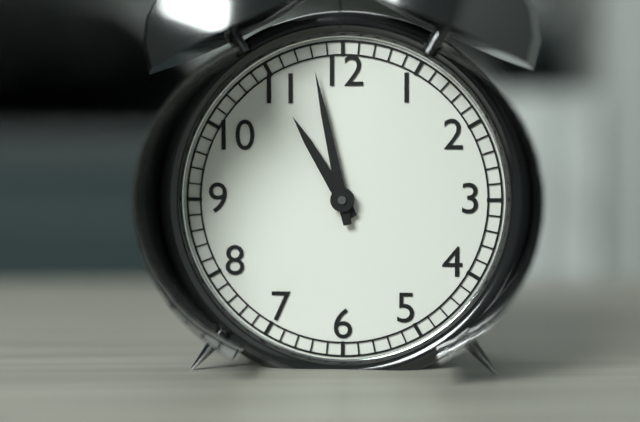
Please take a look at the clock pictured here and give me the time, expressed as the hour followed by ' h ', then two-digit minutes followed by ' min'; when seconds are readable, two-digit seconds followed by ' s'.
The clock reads 10 h 58 min
